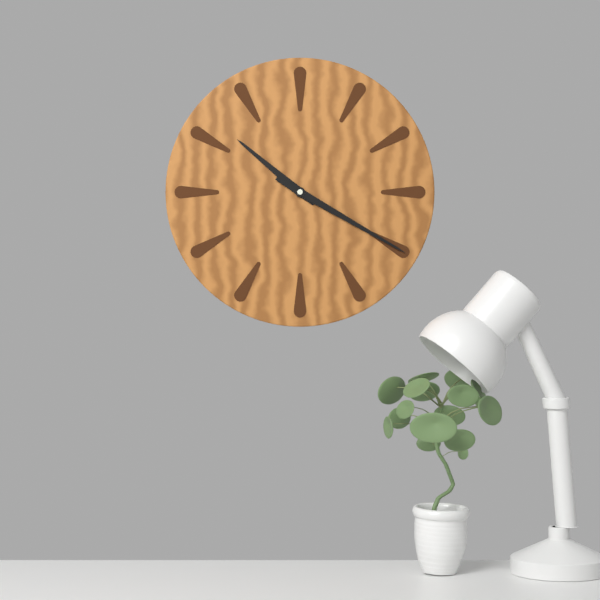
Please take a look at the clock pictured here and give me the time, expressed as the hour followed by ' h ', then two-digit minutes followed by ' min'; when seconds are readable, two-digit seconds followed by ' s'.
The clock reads 10 h 20 min
